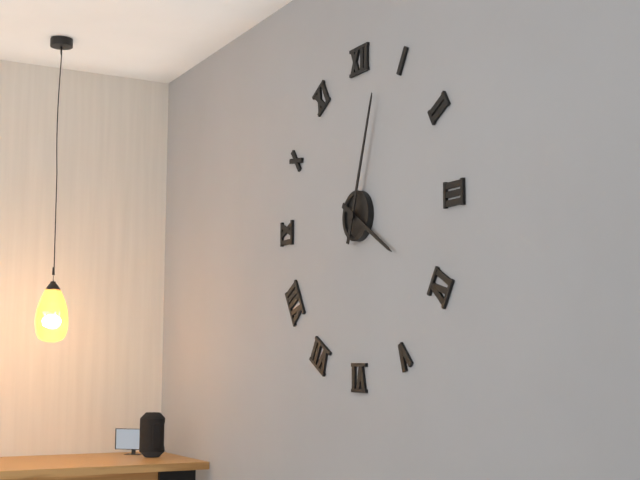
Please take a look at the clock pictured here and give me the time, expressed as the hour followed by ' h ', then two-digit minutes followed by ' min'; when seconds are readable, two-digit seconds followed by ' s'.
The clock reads 4 h 03 min
